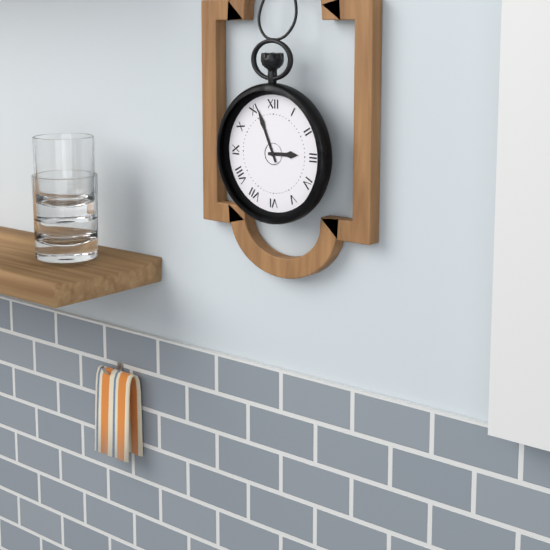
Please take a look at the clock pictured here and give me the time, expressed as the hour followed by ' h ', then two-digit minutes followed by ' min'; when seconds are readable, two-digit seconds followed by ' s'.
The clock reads 2 h 56 min
